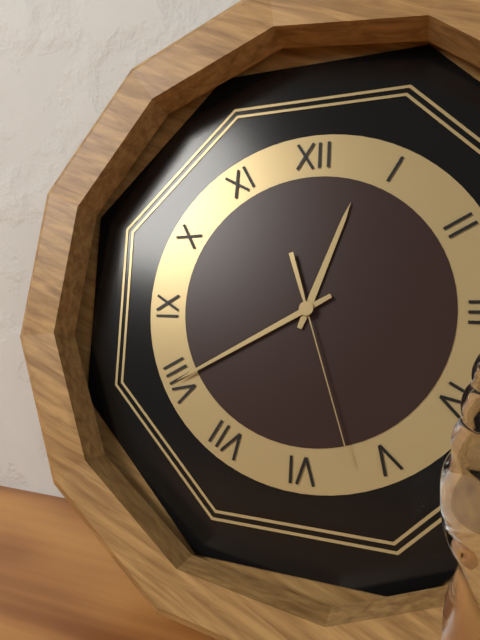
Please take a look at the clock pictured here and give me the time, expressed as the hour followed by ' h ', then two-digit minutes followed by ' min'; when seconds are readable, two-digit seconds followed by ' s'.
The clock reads 12 h 40 min 27 s
